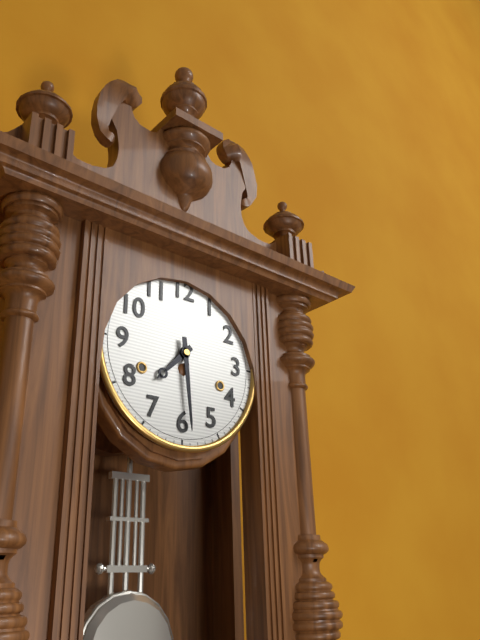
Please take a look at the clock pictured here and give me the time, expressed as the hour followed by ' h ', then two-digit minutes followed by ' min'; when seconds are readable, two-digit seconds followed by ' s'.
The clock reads 7 h 29 min
